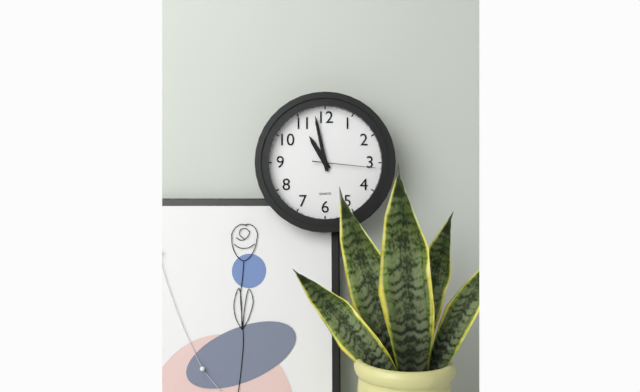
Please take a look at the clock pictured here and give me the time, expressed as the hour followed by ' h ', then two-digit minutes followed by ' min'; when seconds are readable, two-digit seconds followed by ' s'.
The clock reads 10 h 58 min 16 s
